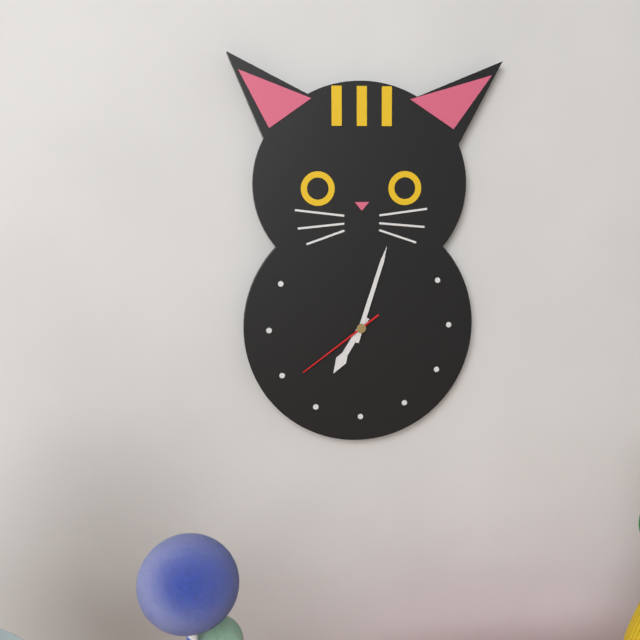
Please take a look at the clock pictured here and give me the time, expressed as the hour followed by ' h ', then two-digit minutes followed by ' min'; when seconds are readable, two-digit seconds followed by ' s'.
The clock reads 7 h 03 min 39 s
